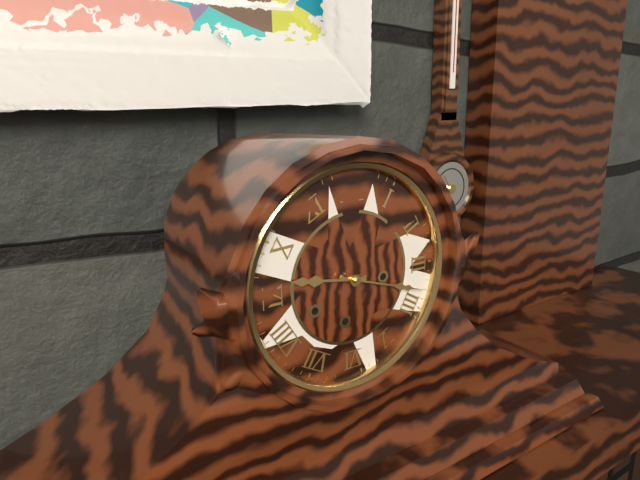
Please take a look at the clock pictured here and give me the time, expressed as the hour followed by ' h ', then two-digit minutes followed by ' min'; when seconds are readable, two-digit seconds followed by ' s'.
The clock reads 9 h 18 min
